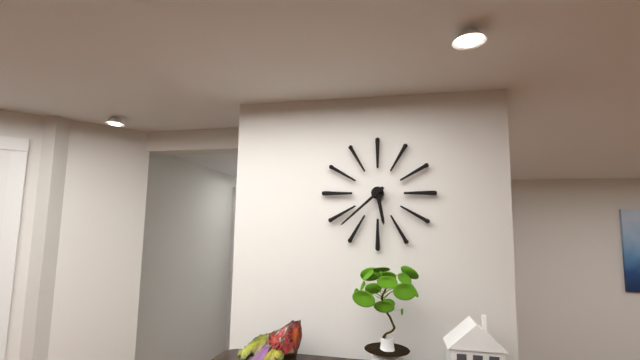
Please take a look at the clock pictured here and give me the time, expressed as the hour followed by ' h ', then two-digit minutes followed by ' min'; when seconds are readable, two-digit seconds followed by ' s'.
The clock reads 5 h 38 min
